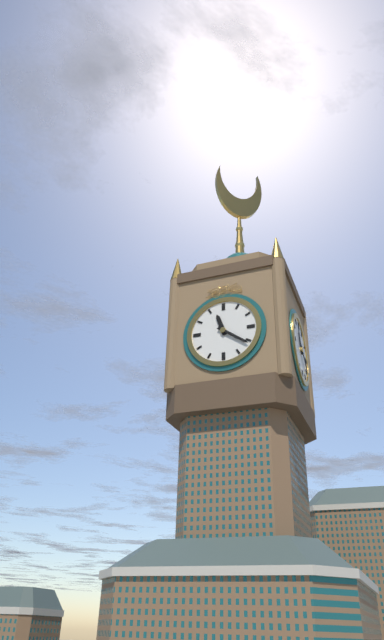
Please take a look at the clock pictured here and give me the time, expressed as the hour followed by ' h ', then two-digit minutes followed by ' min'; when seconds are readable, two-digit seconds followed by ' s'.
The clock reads 11 h 21 min
